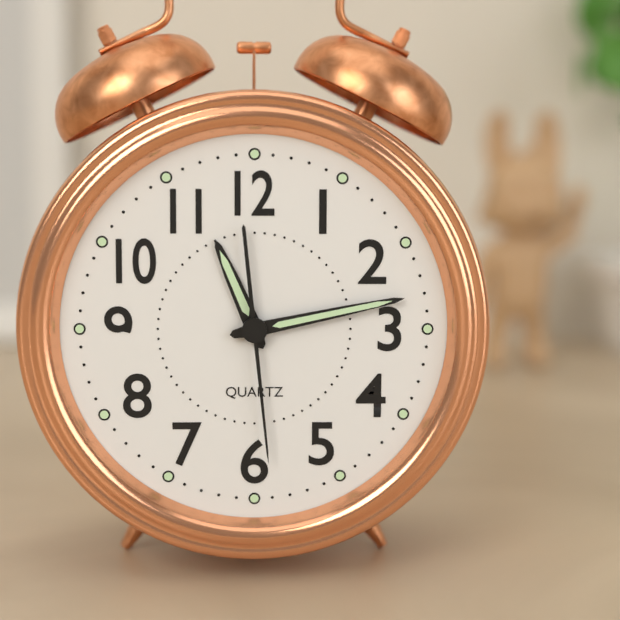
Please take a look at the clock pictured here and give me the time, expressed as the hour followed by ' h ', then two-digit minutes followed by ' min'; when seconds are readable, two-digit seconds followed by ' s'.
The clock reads 11 h 13 min 29 s
